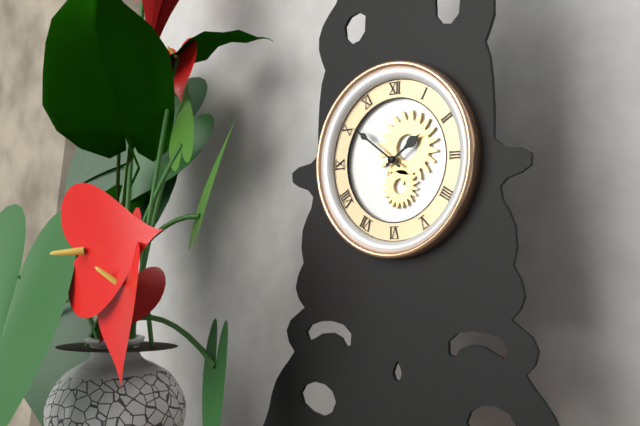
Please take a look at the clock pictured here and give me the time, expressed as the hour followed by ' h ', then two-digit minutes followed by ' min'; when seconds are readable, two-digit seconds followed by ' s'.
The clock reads 1 h 51 min
